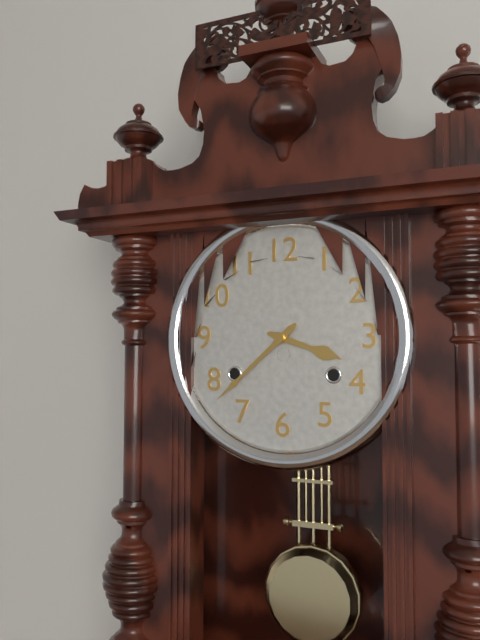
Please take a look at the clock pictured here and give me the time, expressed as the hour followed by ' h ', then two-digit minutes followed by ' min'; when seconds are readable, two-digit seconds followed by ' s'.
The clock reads 3 h 38 min
